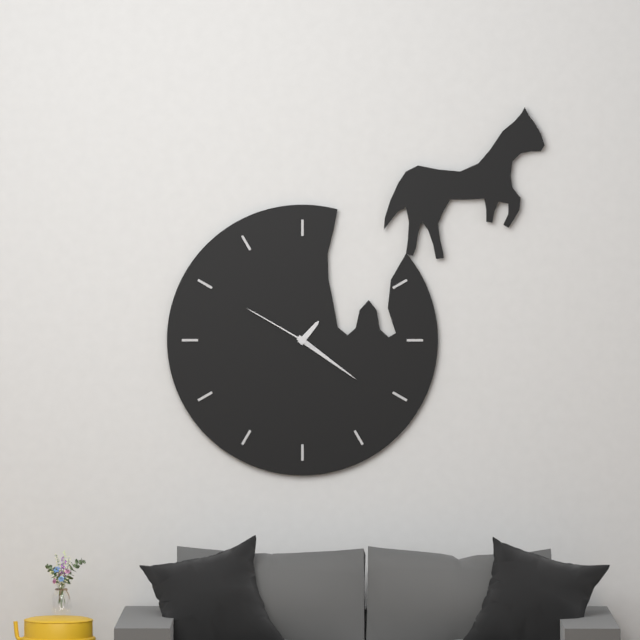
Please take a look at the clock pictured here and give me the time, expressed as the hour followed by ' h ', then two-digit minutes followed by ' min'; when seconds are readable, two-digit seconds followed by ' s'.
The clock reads 1 h 21 min 50 s
